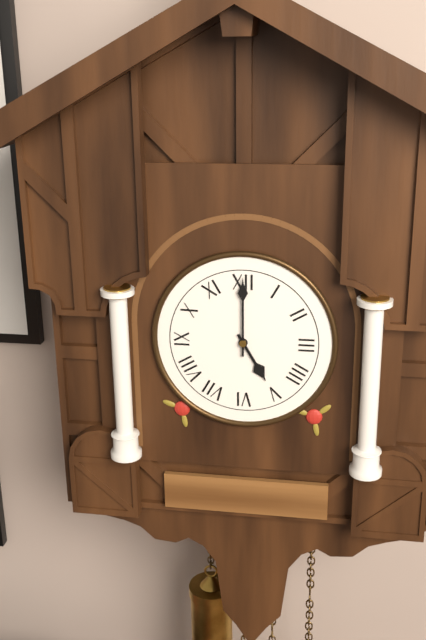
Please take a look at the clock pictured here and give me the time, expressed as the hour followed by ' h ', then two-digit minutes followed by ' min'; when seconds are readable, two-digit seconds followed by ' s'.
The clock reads 5 h 00 min
